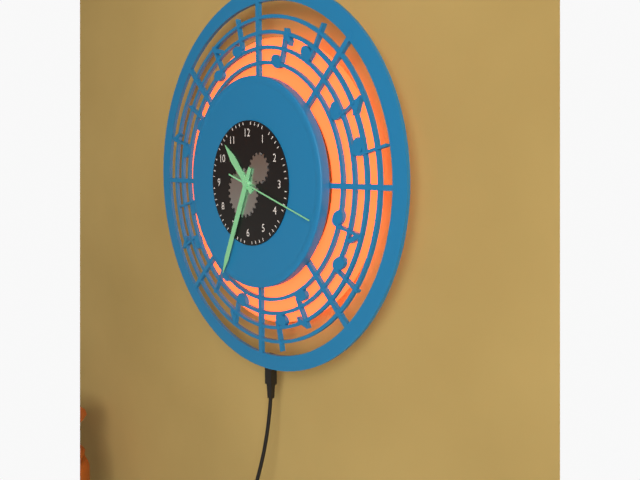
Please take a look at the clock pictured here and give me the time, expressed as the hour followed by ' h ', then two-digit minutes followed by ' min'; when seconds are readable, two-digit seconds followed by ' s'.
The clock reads 10 h 34 min 18 s
